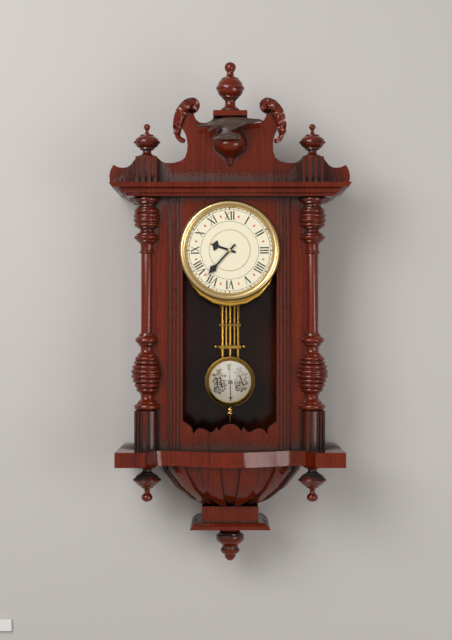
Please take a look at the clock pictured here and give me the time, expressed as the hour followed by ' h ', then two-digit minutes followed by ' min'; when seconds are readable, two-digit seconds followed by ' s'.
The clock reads 9 h 37 min
